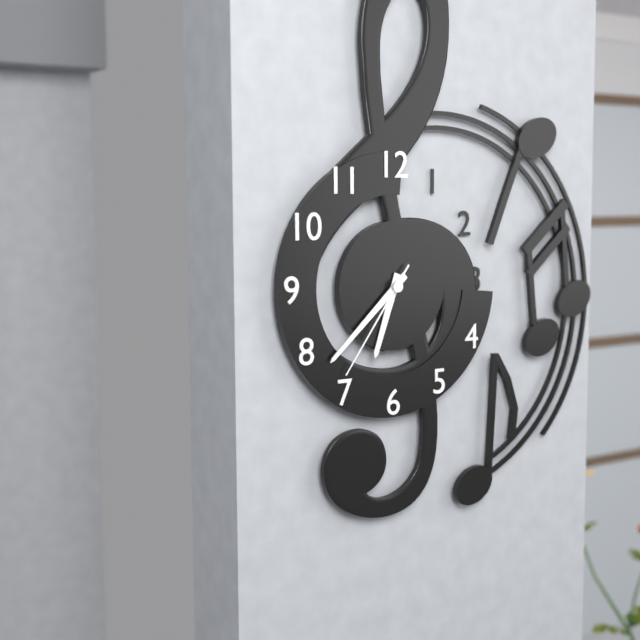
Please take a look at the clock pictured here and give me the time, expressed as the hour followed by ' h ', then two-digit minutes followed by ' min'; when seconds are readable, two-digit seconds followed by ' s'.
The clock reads 6 h 38 min 36 s
